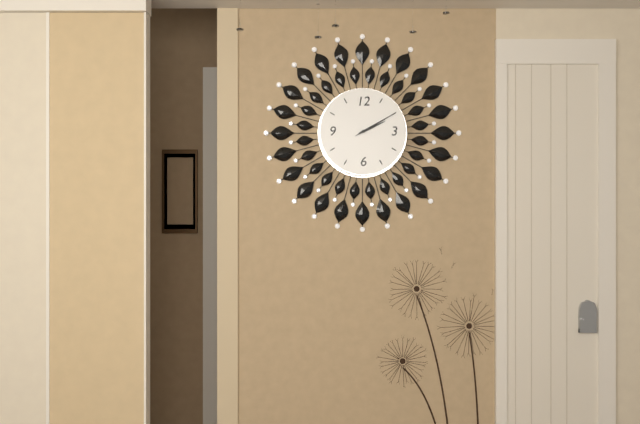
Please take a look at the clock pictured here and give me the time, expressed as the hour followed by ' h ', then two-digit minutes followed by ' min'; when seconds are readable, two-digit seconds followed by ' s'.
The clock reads 2 h 10 min
